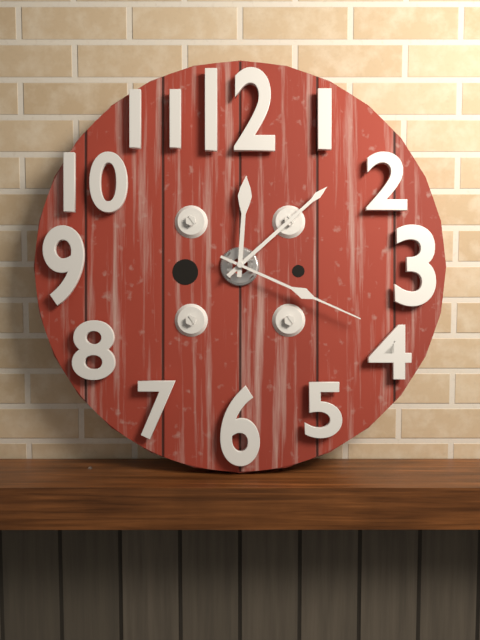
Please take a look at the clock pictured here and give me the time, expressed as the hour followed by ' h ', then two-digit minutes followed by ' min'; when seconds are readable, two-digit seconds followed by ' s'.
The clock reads 12 h 08 min 19 s
